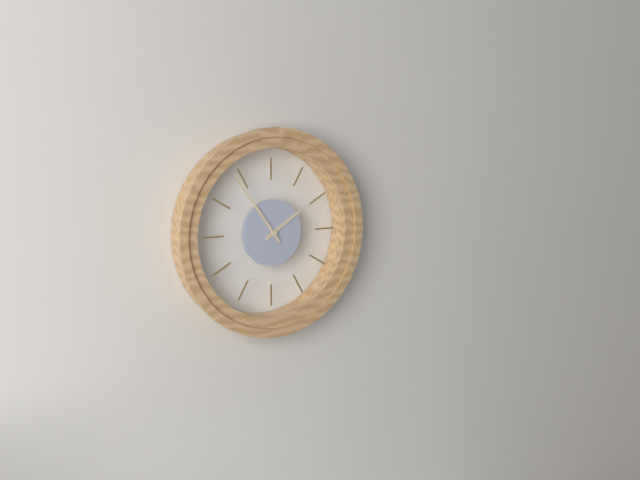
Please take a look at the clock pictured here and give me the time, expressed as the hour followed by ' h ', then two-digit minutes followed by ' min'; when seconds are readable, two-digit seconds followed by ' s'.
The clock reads 1 h 54 min
